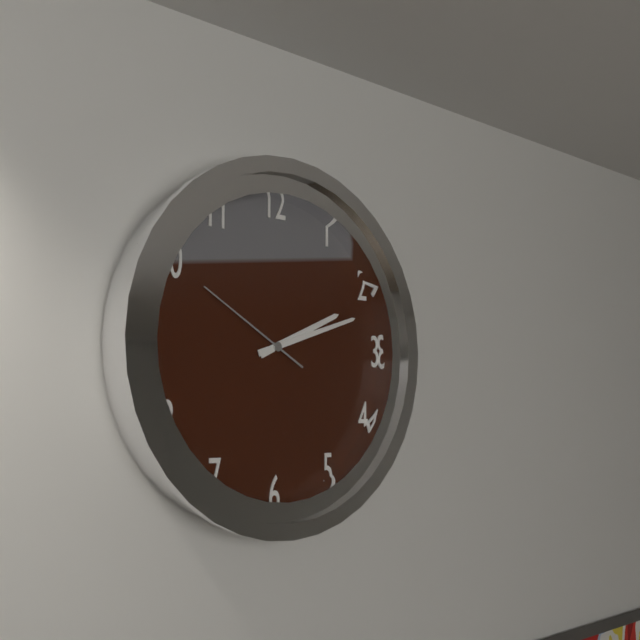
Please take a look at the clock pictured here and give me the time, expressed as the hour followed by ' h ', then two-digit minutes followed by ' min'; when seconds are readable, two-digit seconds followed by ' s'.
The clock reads 2 h 12 min 50 s
